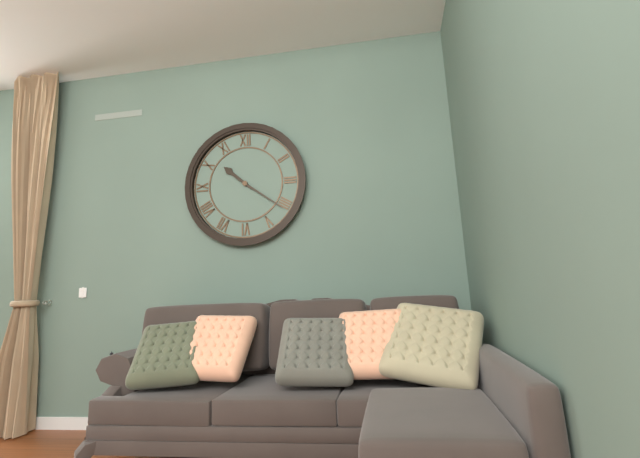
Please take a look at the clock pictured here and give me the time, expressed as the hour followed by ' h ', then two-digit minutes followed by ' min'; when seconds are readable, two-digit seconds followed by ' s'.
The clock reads 10 h 21 min
